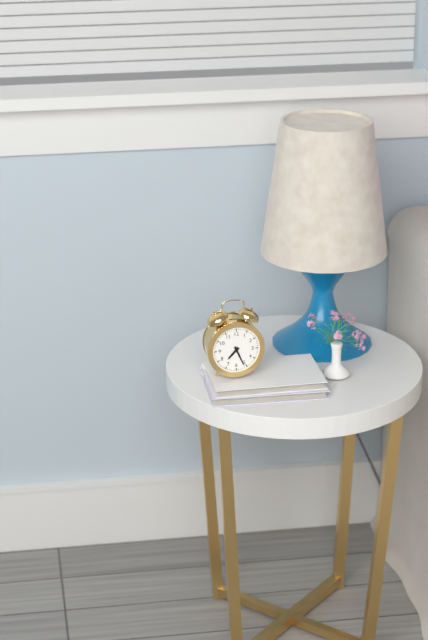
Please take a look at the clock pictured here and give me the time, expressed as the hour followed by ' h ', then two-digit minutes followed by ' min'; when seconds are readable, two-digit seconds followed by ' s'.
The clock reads 7 h 26 min
